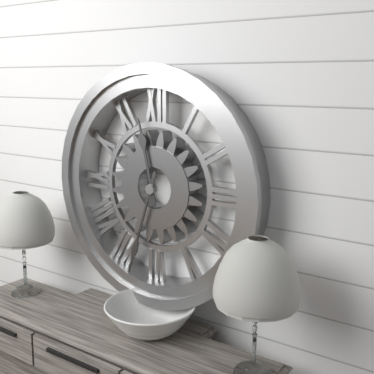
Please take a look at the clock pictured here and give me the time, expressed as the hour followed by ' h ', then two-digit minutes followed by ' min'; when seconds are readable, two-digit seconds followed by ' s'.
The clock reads 11 h 33 min
